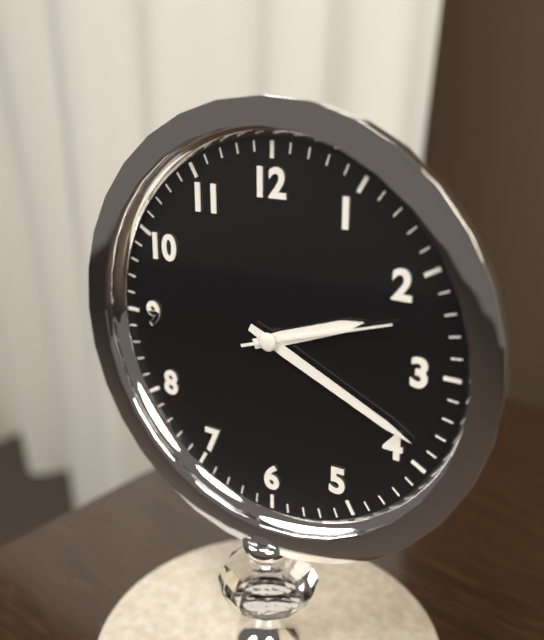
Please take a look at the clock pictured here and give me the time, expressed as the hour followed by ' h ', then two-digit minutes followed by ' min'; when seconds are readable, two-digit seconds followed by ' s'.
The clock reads 2 h 19 min 12 s
